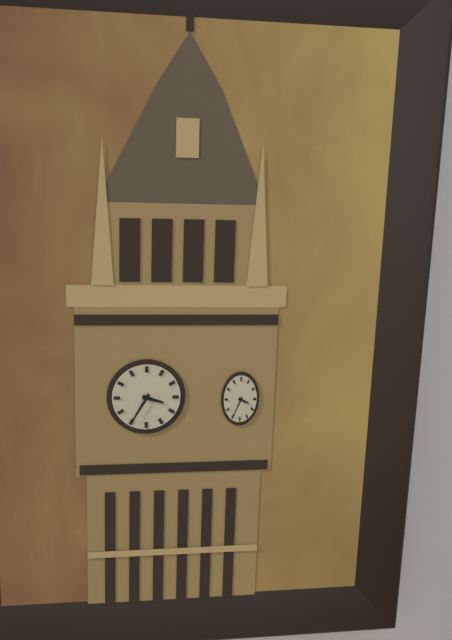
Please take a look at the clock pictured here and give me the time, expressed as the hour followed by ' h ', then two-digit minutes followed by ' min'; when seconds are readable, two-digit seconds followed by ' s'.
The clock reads 3 h 35 min
